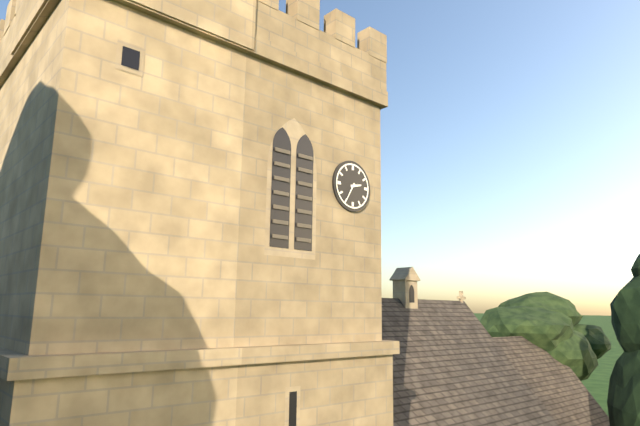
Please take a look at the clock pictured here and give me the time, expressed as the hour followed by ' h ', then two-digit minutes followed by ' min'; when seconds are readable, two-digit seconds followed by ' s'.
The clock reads 2 h 35 min
